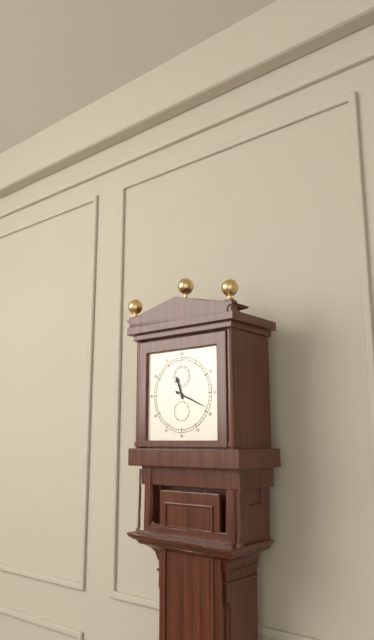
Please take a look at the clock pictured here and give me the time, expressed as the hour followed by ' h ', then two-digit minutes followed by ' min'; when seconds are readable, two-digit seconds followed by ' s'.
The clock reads 11 h 19 min
